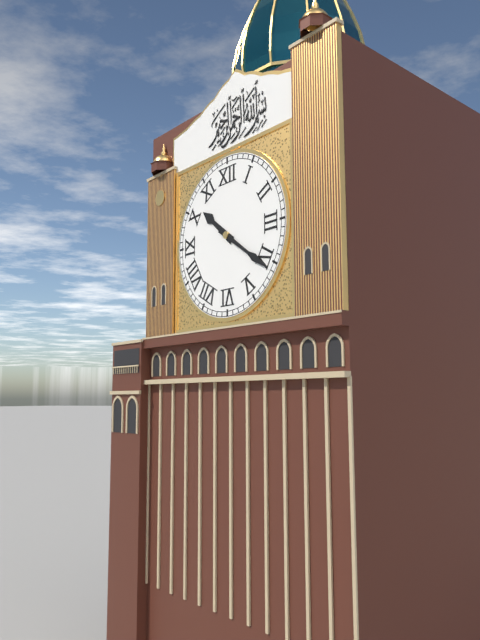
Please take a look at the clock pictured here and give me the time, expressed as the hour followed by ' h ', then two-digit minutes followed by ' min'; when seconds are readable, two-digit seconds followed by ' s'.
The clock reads 10 h 21 min
